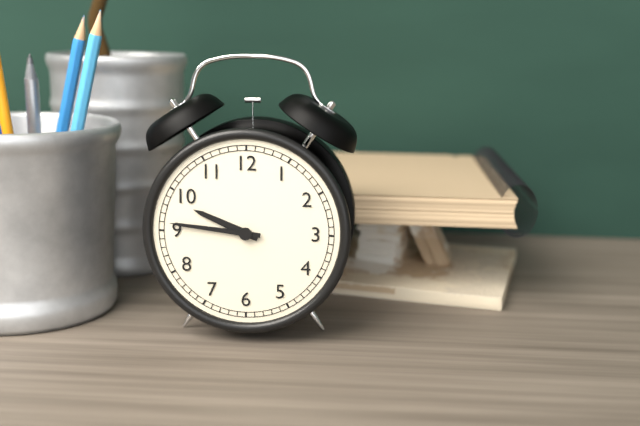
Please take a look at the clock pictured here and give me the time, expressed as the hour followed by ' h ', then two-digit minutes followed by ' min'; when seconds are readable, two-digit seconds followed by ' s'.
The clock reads 9 h 46 min
